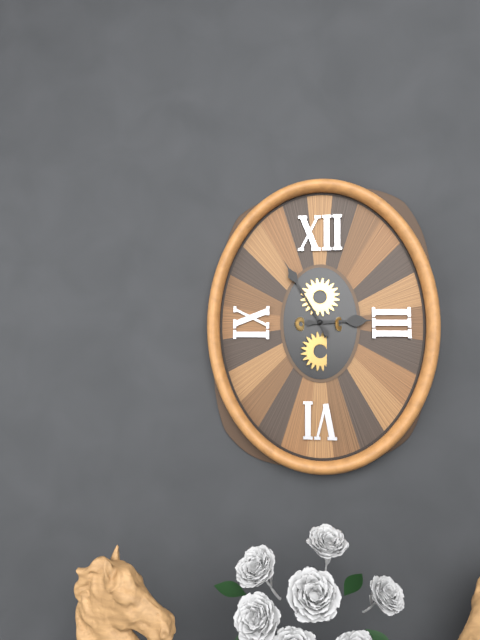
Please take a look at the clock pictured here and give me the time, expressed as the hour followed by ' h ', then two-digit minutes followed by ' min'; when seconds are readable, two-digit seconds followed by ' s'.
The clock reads 2 h 55 min
